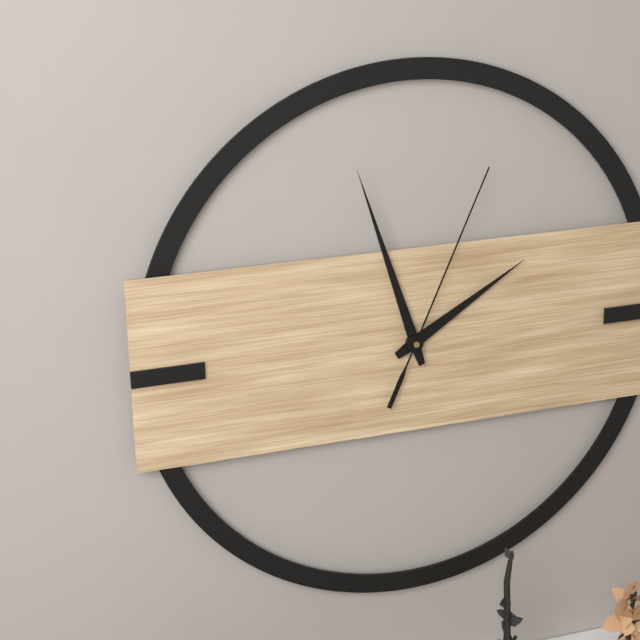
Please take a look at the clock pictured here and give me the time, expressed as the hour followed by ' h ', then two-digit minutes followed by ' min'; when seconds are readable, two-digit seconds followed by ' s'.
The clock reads 1 h 57 min 04 s
